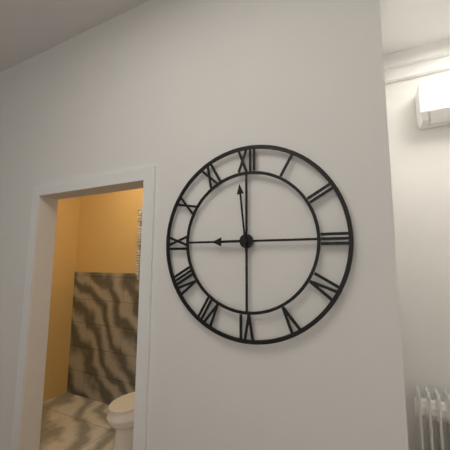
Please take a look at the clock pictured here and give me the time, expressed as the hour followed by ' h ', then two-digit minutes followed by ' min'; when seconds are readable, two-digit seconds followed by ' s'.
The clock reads 8 h 59 min
